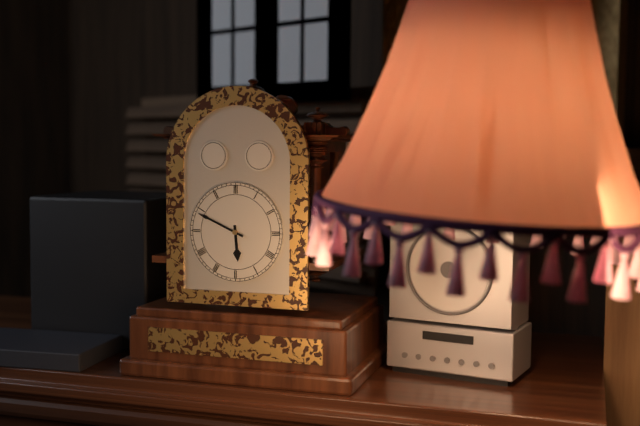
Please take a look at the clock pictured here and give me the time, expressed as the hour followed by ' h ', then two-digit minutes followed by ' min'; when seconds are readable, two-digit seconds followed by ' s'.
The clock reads 5 h 49 min
